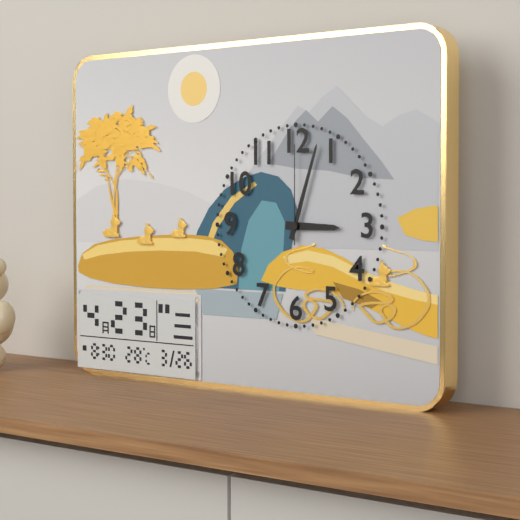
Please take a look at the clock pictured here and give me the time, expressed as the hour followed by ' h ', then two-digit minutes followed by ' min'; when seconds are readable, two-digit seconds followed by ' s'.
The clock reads 3 h 03 min 00 s
